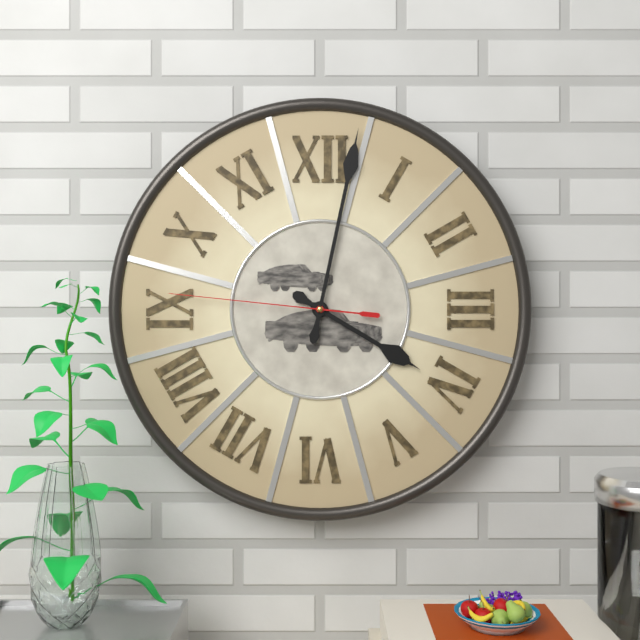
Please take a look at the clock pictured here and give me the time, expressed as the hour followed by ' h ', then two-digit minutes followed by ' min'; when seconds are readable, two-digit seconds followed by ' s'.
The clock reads 4 h 02 min 46 s
